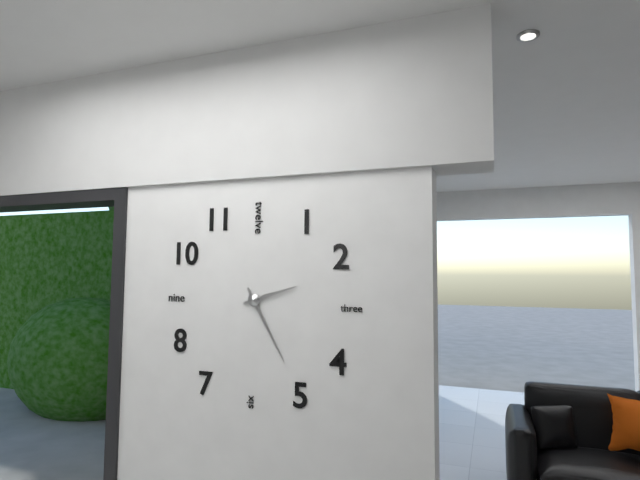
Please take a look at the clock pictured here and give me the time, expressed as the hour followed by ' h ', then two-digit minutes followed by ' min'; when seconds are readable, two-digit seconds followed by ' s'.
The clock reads 2 h 25 min
